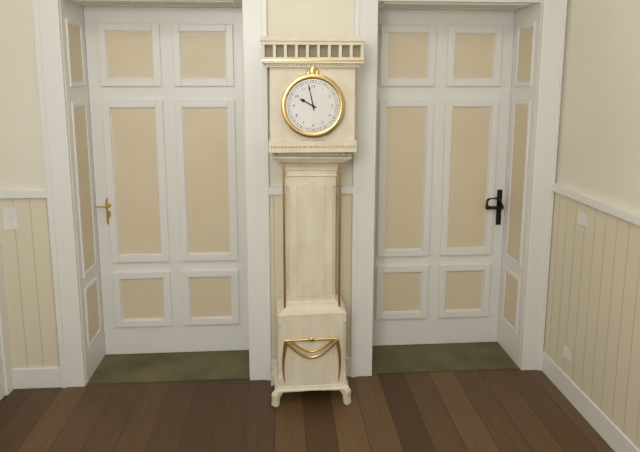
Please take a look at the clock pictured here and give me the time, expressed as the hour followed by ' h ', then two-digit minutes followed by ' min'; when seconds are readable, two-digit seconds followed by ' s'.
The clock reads 9 h 58 min
